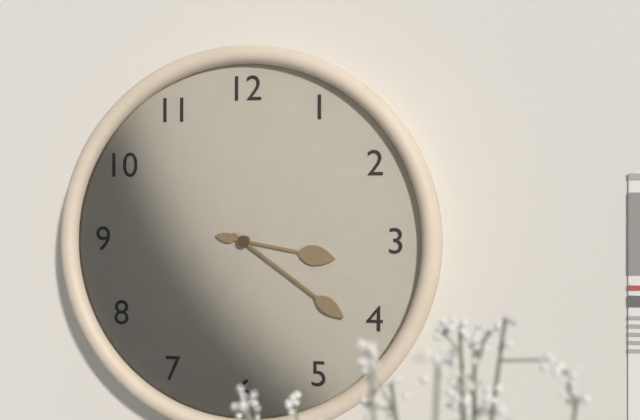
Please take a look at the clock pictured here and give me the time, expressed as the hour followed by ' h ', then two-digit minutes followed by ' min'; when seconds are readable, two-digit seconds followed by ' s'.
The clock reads 3 h 21 min
